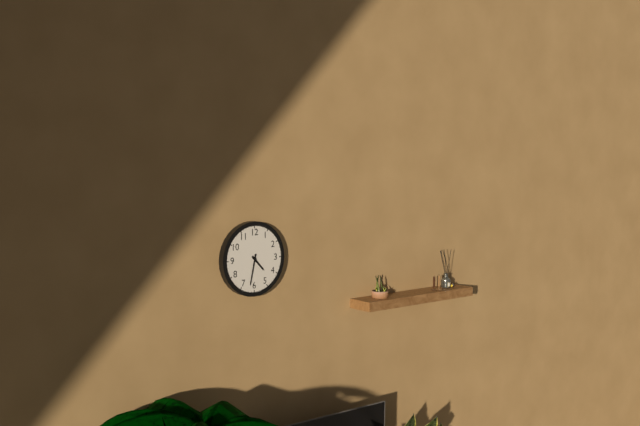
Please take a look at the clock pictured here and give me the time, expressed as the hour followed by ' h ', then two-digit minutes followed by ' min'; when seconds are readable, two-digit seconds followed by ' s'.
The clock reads 4 h 32 min
